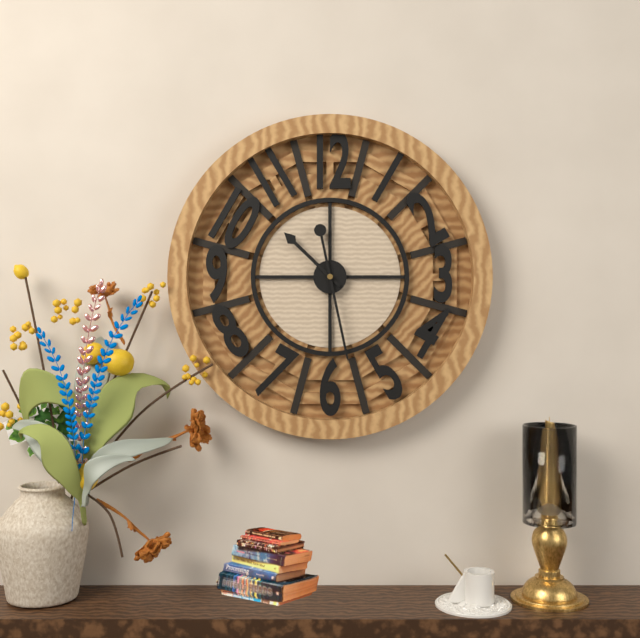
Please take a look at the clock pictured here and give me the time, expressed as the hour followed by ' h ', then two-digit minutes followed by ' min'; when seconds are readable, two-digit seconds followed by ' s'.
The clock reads 10 h 28 min
